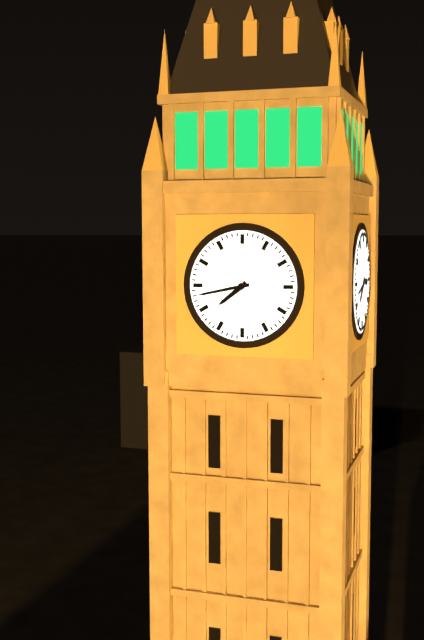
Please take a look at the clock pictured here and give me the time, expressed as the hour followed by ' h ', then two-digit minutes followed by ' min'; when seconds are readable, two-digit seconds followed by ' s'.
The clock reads 7 h 43 min
